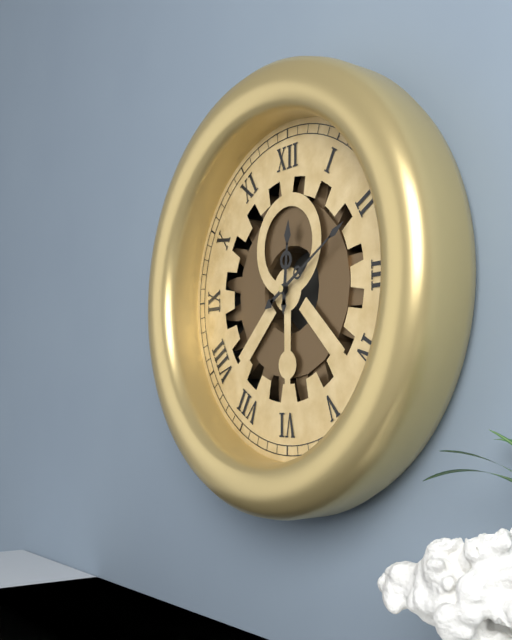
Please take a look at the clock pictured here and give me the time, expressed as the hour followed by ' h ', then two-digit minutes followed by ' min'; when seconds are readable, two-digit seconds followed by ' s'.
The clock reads 12 h 10 min
